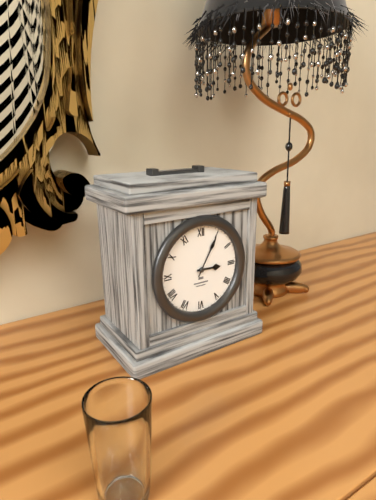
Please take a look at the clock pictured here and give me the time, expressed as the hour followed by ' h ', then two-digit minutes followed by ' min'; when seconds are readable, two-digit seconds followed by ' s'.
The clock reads 3 h 05 min
